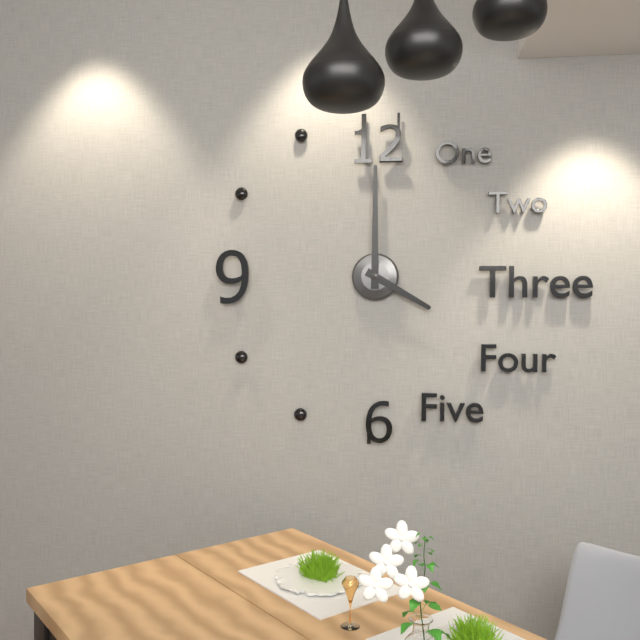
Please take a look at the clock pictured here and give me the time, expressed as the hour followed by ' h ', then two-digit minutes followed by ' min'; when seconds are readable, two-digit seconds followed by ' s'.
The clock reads 4 h 00 min
